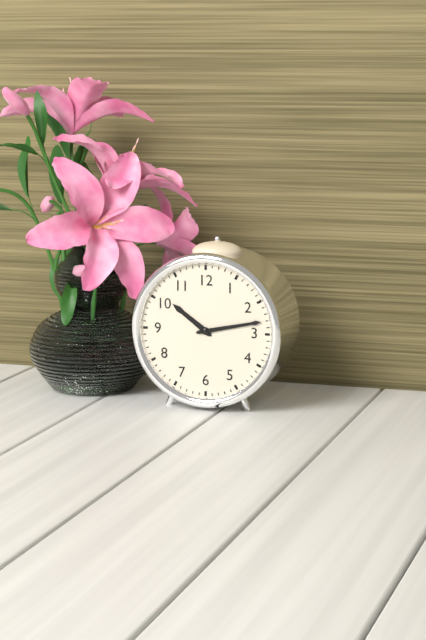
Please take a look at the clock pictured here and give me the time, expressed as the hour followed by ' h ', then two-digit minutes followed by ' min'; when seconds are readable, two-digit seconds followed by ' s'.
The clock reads 10 h 13 min
